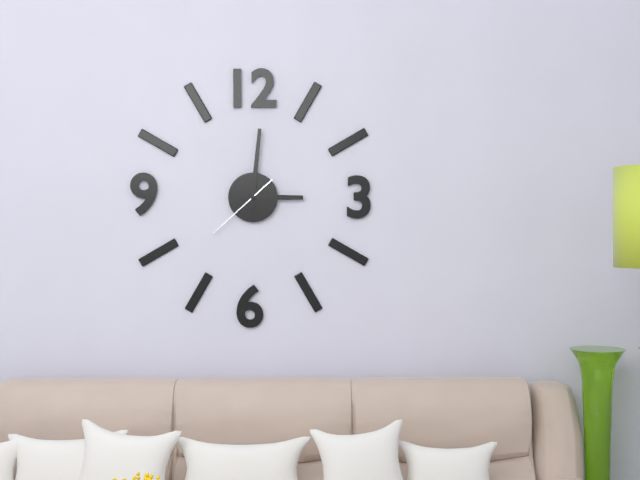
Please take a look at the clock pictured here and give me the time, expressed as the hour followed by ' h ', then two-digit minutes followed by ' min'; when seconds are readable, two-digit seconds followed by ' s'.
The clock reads 3 h 01 min 38 s
